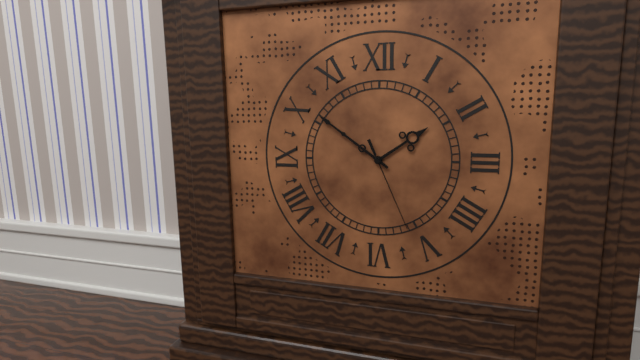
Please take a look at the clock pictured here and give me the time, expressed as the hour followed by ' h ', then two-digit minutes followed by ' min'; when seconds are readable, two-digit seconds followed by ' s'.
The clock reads 1 h 51 min 26 s
